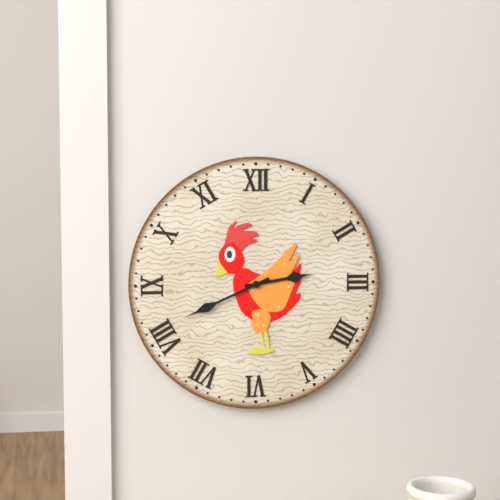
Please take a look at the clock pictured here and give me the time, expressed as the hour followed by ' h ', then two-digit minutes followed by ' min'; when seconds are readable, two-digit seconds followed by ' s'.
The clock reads 2 h 41 min
